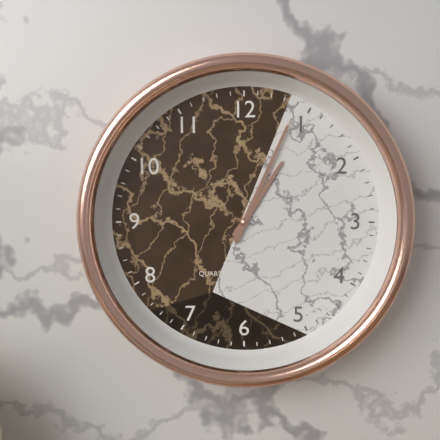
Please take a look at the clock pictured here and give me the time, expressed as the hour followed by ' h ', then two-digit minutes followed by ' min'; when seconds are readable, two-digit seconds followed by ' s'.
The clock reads 1 h 04 min
